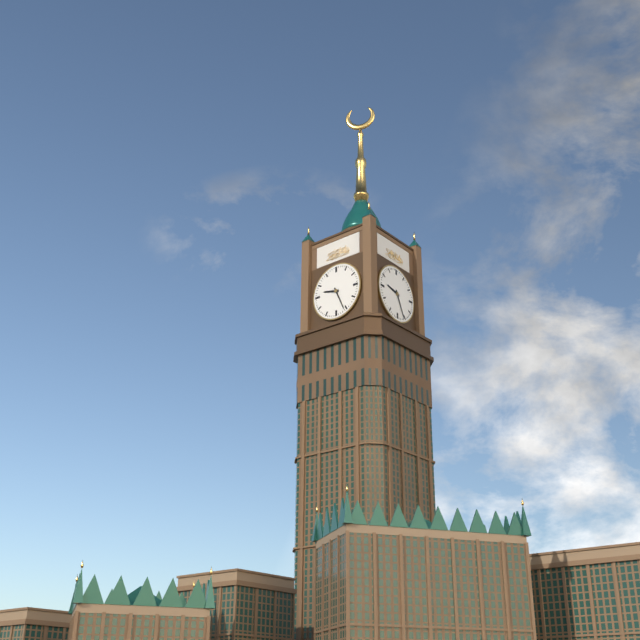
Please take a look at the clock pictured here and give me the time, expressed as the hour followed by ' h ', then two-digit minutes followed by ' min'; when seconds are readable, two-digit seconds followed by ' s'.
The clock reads 9 h 26 min
